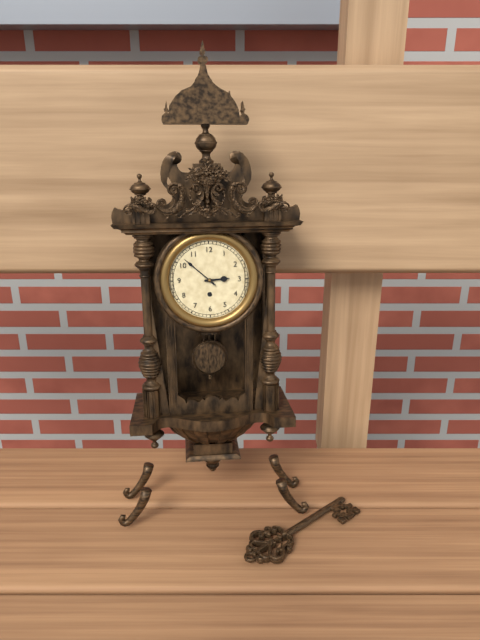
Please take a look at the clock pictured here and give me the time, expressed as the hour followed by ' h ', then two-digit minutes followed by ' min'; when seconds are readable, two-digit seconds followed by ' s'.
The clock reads 2 h 52 min
